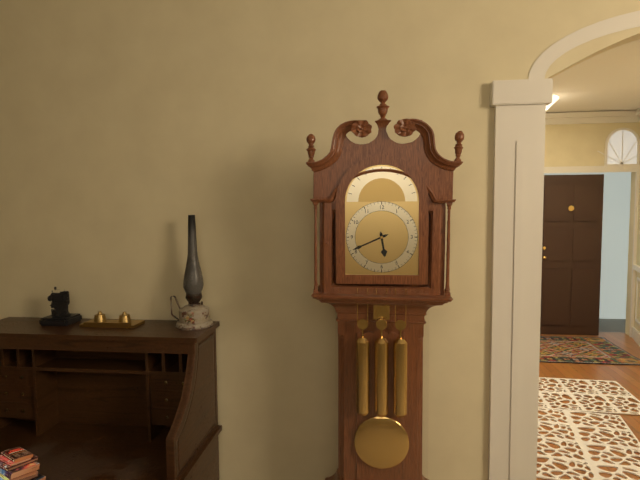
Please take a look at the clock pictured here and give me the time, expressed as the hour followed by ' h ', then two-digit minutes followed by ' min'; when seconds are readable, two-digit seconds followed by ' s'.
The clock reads 5 h 41 min
